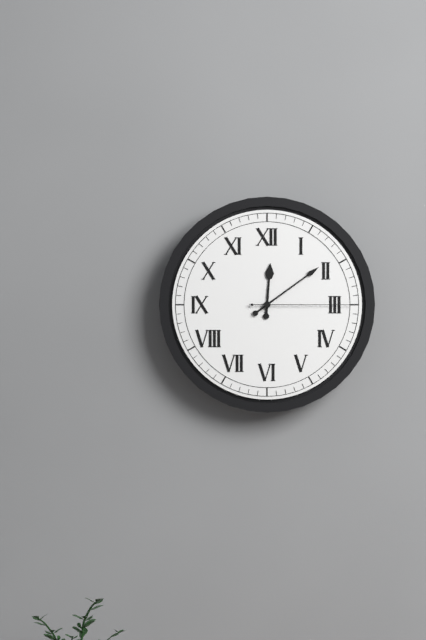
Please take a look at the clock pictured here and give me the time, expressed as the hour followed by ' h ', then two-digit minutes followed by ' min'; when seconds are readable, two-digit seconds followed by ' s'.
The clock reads 12 h 09 min 15 s
